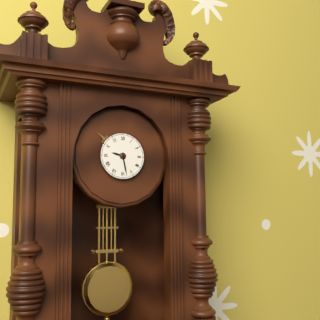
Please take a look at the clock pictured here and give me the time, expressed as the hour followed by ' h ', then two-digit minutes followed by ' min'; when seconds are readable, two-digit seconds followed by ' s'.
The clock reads 9 h 28 min
